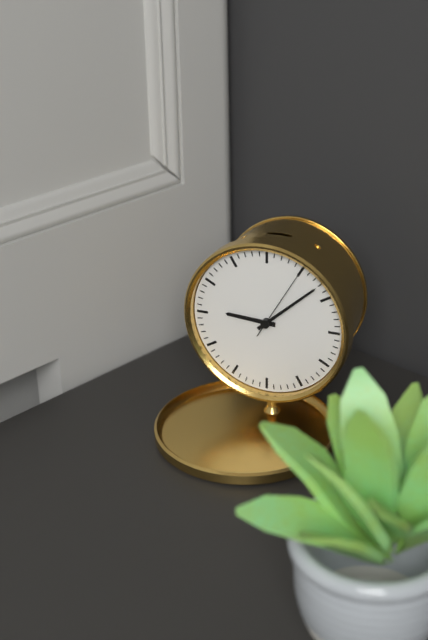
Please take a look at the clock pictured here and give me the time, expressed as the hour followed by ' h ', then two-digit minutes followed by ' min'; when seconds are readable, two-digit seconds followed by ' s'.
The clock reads 9 h 08 min 05 s
